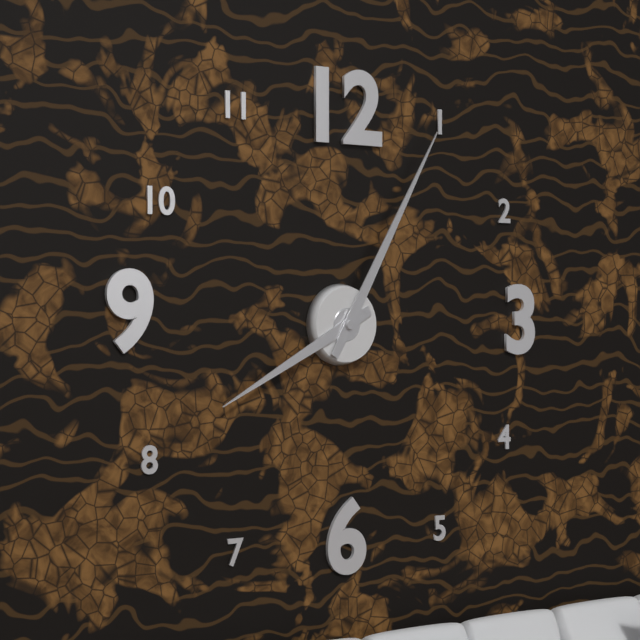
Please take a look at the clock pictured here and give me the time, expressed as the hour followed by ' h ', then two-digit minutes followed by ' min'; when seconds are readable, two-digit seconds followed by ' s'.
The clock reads 8 h 05 min
